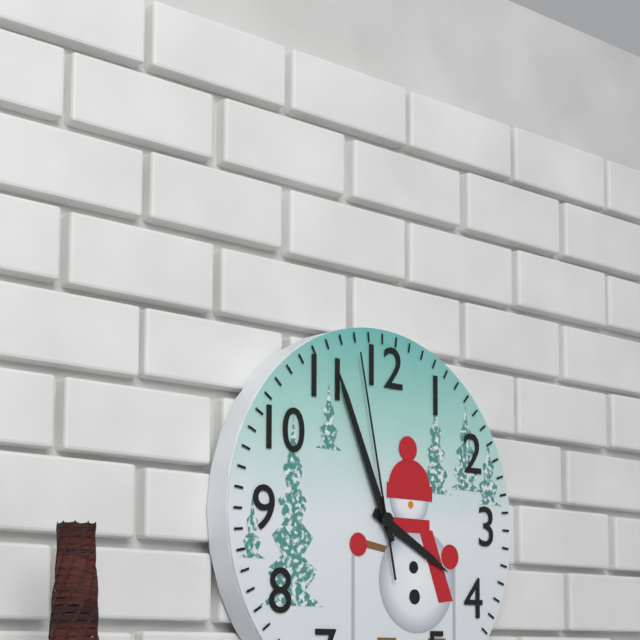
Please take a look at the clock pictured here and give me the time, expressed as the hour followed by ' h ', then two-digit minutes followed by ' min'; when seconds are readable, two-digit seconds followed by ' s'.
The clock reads 3 h 56 min 58 s
